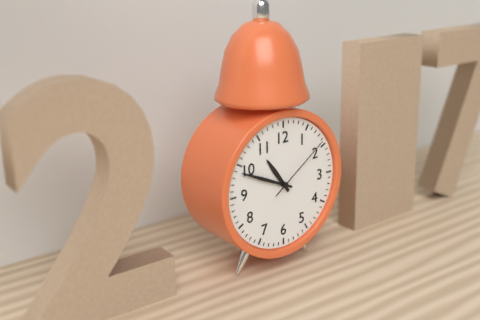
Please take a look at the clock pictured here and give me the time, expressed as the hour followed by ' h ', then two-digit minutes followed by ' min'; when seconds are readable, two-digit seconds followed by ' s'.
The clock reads 10 h 49 min 09 s
